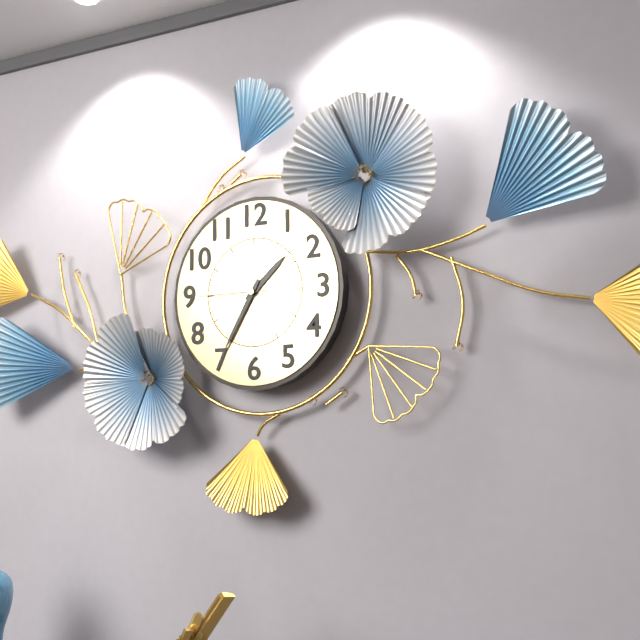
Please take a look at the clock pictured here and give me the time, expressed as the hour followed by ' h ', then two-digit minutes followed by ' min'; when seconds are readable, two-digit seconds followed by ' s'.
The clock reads 1 h 35 min 45 s
